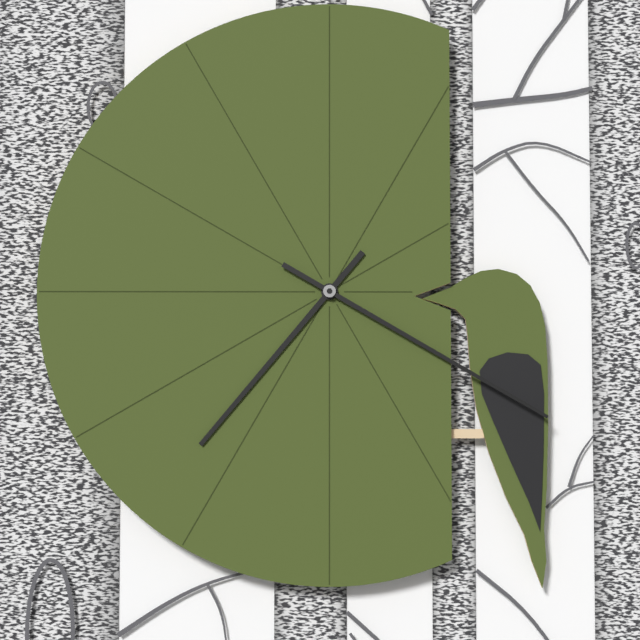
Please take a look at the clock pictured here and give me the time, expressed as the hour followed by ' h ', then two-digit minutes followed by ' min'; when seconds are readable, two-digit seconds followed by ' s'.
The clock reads 7 h 20 min
